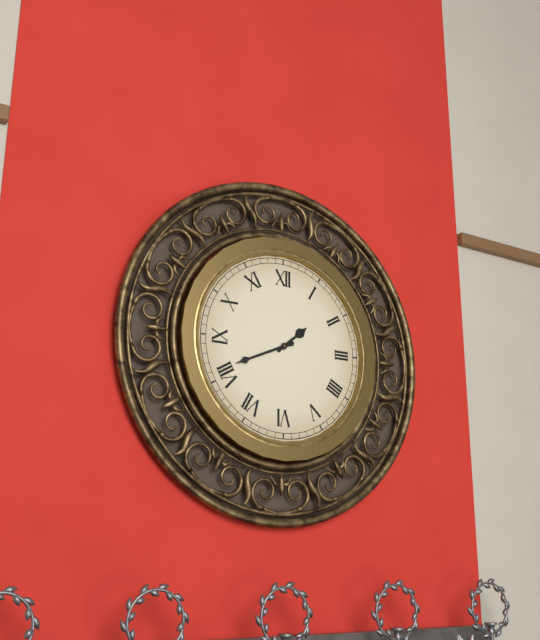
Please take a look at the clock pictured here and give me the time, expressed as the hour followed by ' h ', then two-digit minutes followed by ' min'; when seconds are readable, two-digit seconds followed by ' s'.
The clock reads 1 h 41 min
